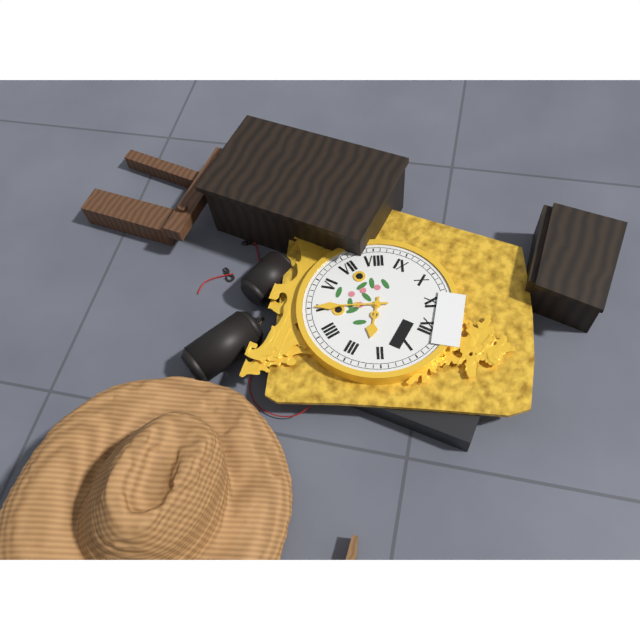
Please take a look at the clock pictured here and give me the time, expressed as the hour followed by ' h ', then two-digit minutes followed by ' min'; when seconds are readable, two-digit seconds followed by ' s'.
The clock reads 2 h 25 min
